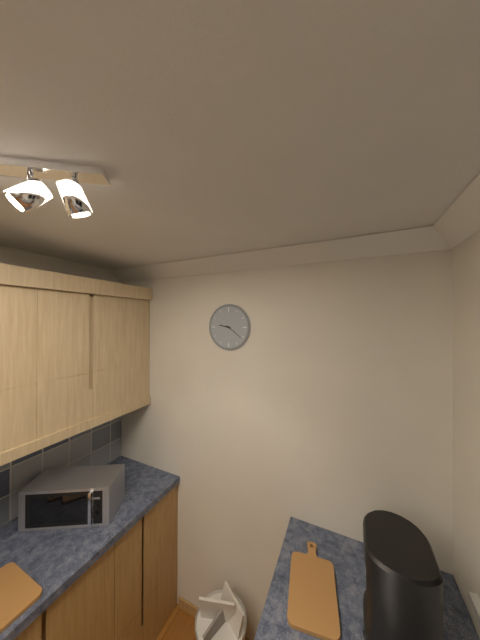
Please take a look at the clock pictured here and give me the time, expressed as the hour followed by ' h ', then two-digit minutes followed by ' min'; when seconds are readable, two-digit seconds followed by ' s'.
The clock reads 9 h 21 min
